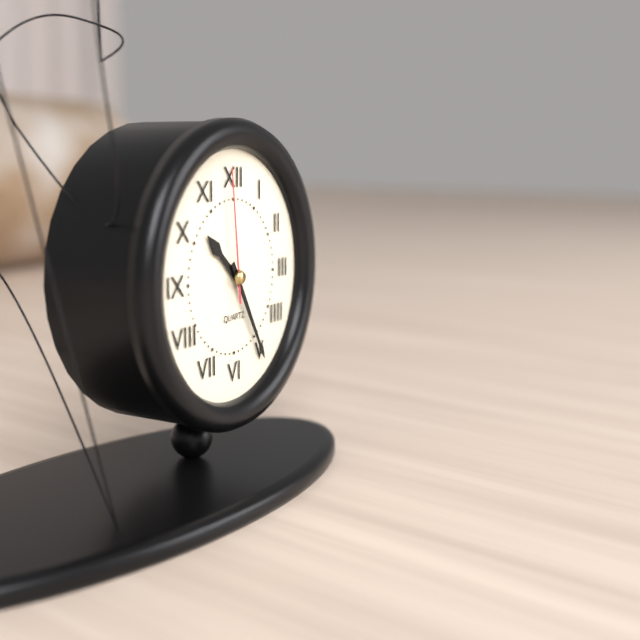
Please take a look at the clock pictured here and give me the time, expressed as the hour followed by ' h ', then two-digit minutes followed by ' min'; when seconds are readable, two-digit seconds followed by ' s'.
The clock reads 10 h 25 min 59 s
